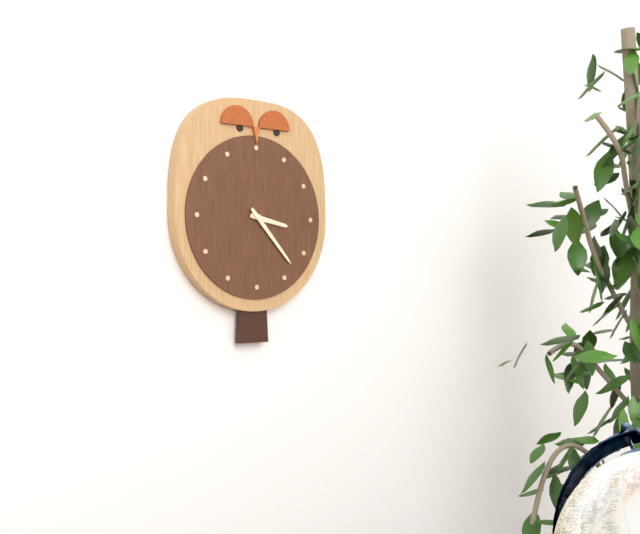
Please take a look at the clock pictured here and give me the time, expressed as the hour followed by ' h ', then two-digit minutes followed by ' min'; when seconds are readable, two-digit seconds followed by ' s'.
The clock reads 3 h 23 min
